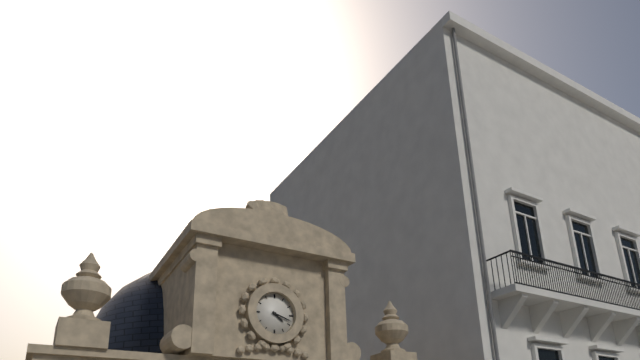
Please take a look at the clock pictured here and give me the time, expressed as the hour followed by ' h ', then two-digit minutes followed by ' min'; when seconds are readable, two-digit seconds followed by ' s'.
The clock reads 4 h 18 min
